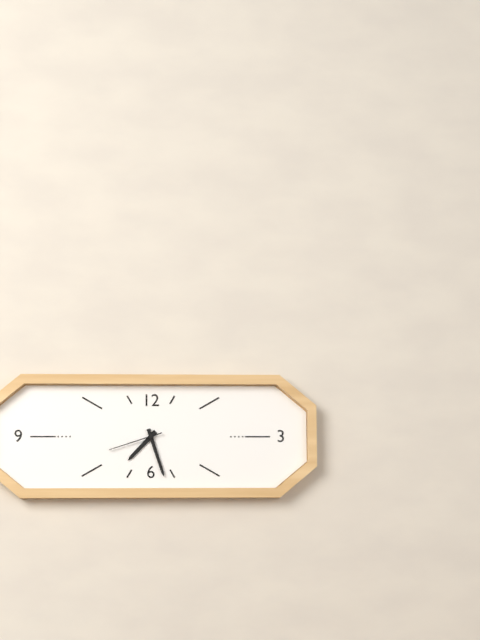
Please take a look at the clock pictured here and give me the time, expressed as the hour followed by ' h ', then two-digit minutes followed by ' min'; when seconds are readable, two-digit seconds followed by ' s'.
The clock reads 7 h 27 min 42 s
